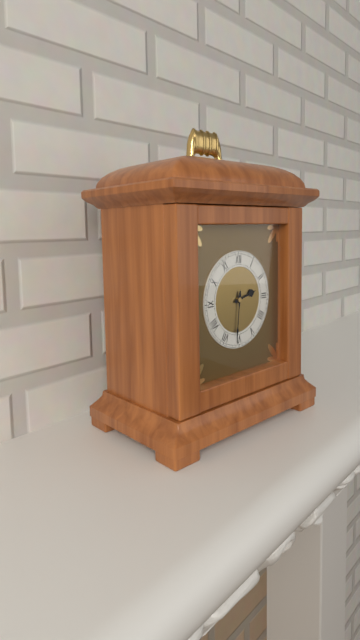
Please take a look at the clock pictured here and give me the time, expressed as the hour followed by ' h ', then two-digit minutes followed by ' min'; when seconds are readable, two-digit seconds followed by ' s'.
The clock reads 2 h 31 min
